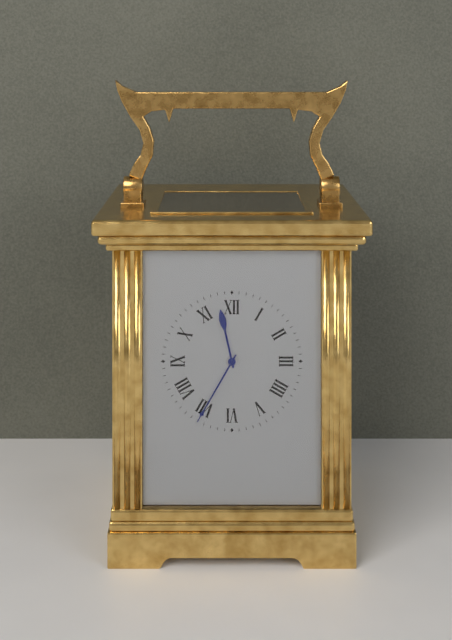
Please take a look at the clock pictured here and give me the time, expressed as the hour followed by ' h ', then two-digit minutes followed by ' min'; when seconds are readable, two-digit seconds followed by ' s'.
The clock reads 11 h 35 min
